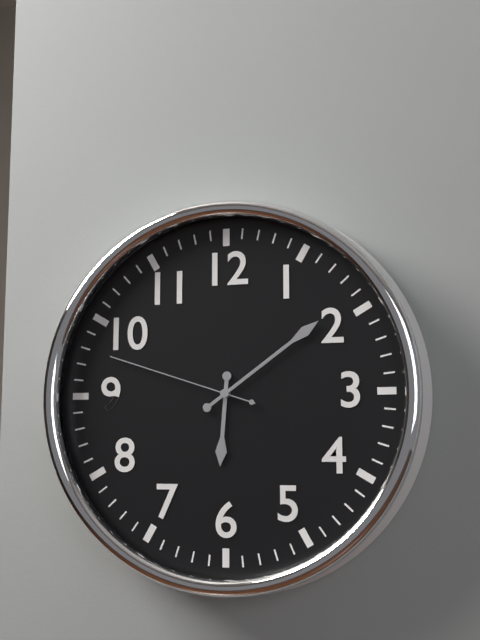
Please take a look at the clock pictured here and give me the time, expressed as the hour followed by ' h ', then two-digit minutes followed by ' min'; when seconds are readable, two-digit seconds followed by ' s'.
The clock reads 6 h 09 min 48 s
